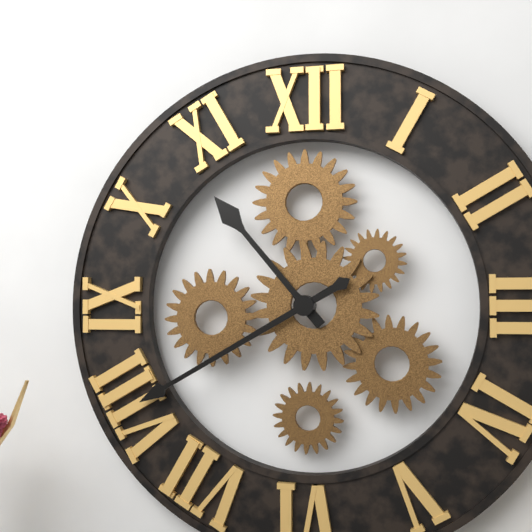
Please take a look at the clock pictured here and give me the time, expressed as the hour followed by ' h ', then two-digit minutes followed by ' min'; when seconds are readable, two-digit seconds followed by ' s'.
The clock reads 10 h 40 min
